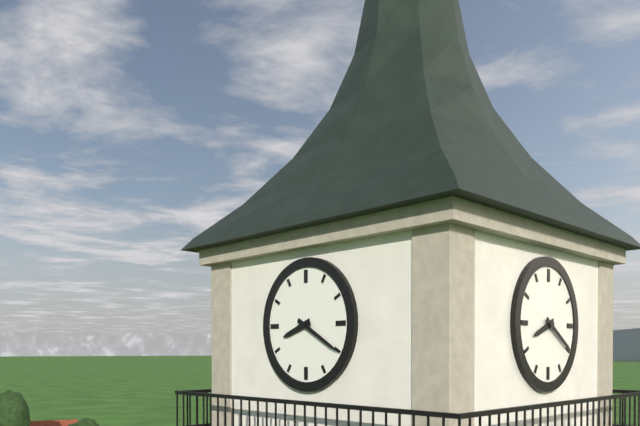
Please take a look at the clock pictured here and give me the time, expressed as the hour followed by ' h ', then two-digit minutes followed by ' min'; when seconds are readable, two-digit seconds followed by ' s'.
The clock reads 8 h 20 min
